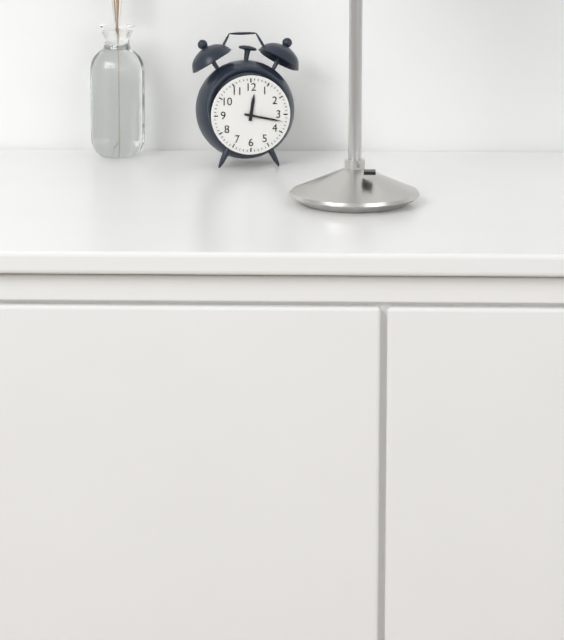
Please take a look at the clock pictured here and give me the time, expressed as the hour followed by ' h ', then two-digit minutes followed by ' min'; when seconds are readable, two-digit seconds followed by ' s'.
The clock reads 12 h 17 min
